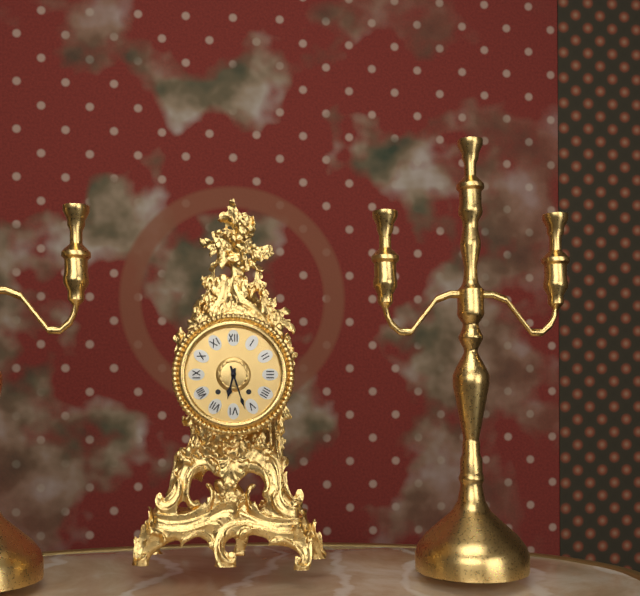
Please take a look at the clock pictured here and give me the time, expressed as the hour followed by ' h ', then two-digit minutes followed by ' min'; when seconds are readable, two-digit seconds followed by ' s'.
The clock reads 6 h 27 min
